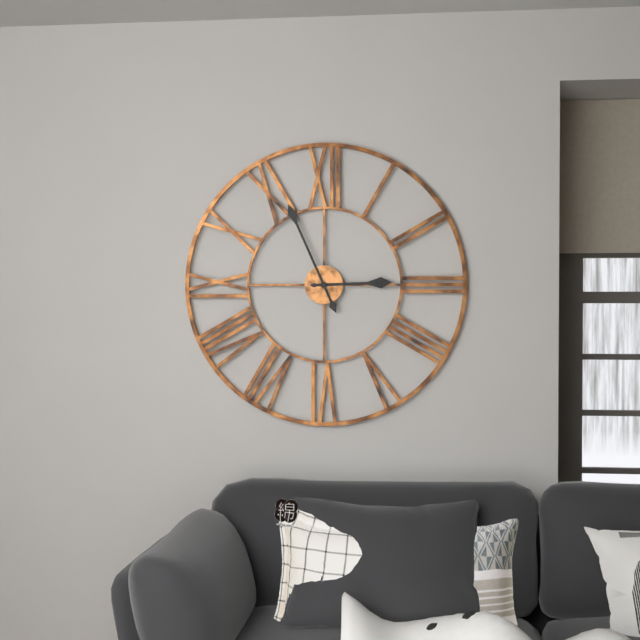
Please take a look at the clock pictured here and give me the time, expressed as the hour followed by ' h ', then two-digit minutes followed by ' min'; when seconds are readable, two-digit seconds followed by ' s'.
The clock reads 2 h 56 min
